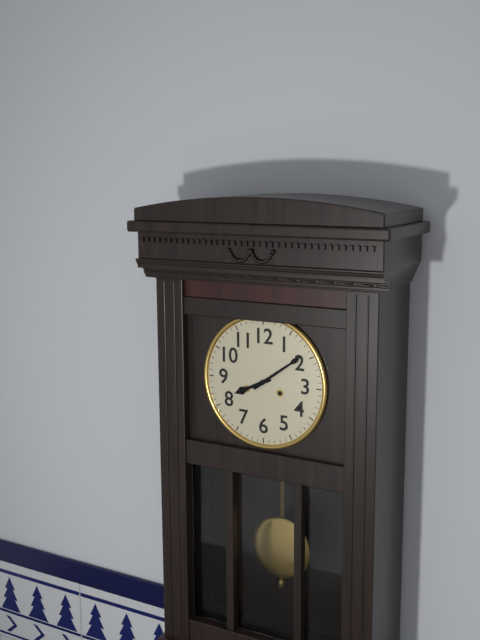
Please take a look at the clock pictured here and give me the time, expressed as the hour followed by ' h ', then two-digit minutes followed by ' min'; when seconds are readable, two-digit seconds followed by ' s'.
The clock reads 8 h 09 min
